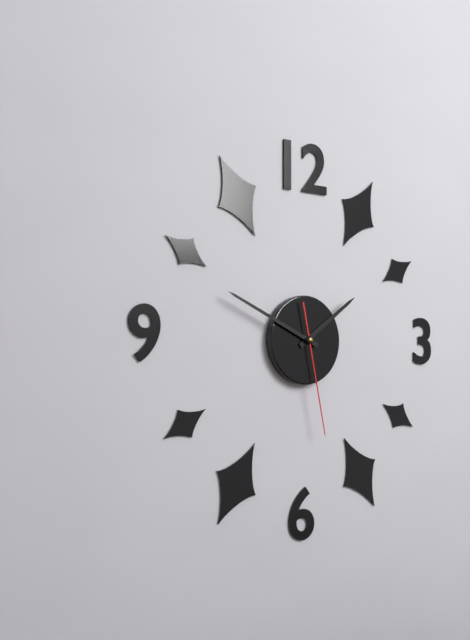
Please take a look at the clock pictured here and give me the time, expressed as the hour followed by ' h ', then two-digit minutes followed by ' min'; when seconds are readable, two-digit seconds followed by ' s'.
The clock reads 1 h 49 min 28 s
